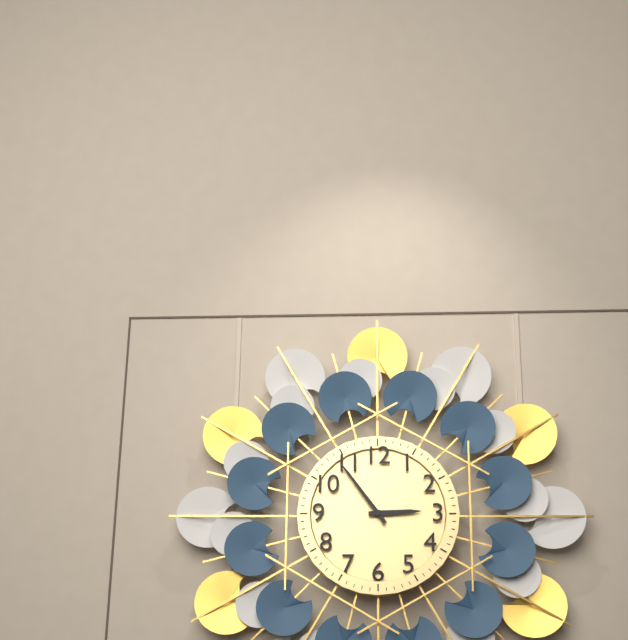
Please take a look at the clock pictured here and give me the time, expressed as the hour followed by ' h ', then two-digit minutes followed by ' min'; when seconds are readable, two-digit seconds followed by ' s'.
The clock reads 2 h 54 min
